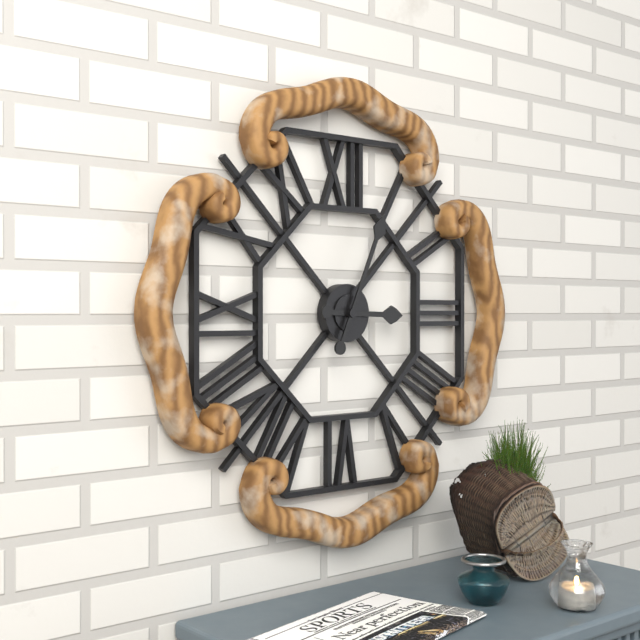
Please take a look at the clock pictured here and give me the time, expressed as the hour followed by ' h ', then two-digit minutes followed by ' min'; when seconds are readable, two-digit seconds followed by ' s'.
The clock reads 3 h 04 min
